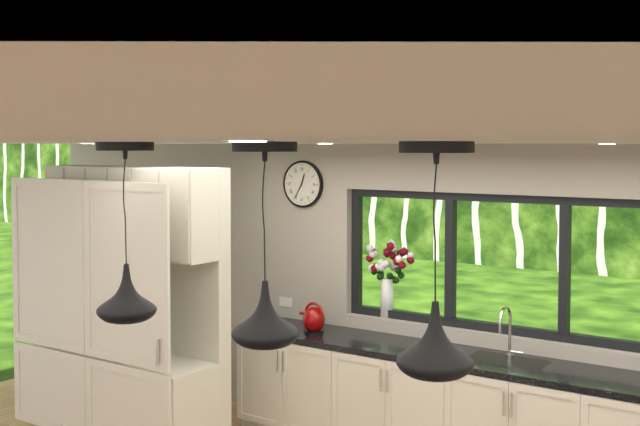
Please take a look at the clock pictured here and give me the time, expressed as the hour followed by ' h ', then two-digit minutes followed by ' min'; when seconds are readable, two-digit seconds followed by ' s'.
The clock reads 12 h 35 min
